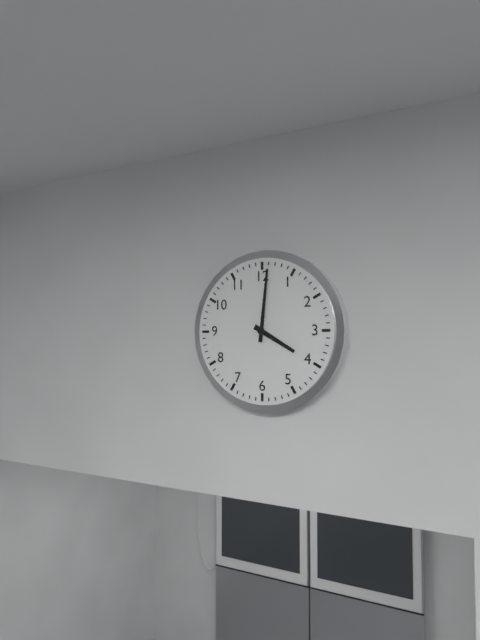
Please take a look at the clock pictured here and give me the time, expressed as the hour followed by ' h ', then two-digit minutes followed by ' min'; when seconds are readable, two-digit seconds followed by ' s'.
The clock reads 4 h 01 min
